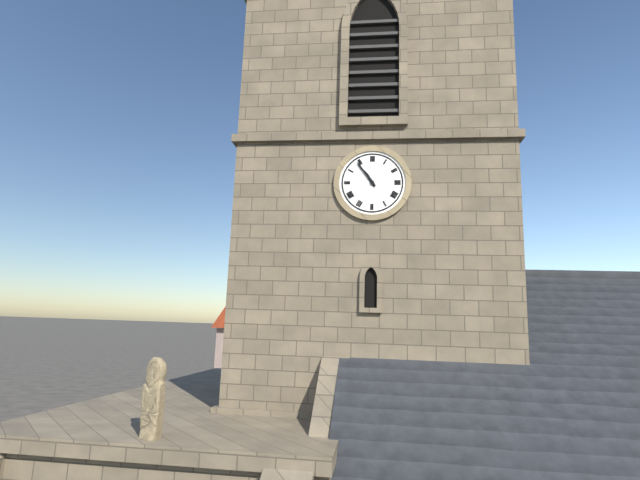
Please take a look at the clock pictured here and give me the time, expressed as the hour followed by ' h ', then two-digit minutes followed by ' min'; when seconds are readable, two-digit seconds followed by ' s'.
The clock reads 10 h 54 min
